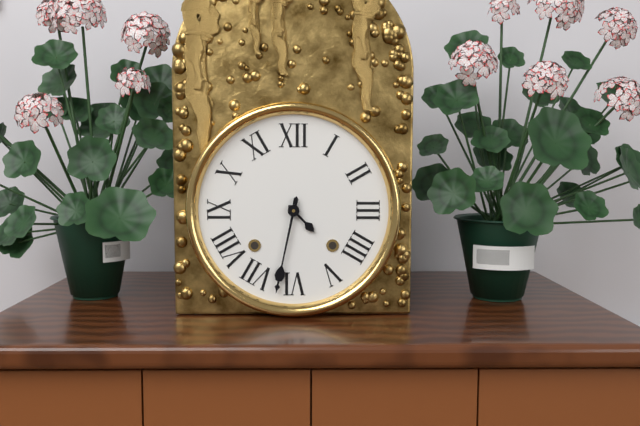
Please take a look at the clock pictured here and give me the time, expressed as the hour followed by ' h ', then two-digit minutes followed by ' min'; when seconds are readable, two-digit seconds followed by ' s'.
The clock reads 4 h 32 min
